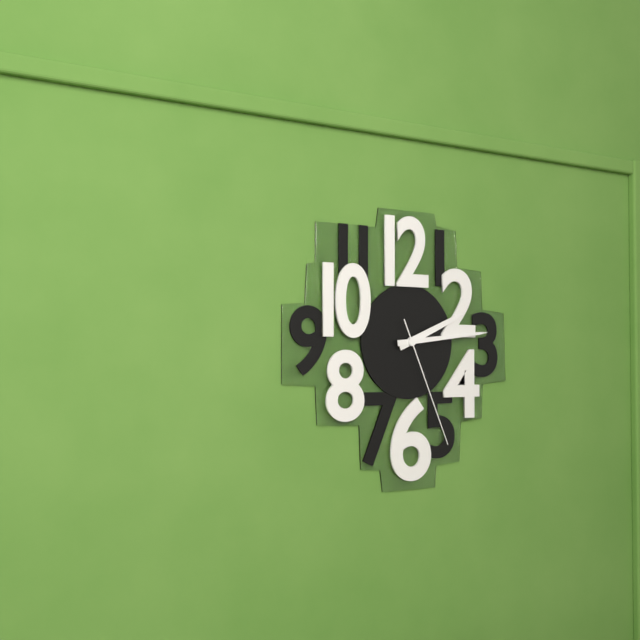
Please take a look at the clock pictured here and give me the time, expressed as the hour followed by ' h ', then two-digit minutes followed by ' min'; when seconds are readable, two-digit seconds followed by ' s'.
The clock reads 2 h 14 min 26 s
